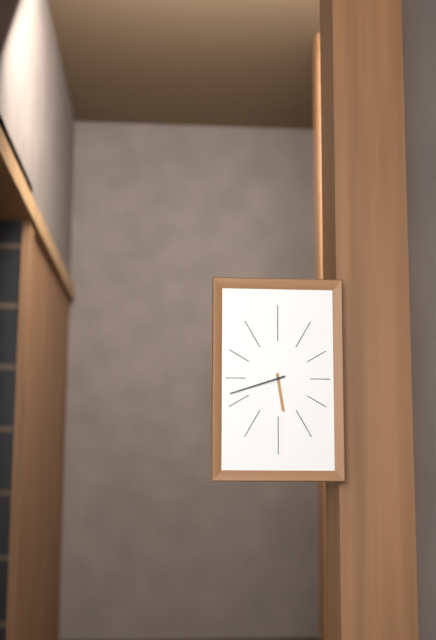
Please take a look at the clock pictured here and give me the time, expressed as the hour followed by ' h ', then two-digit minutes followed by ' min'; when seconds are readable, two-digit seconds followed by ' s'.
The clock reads 5 h 42 min
